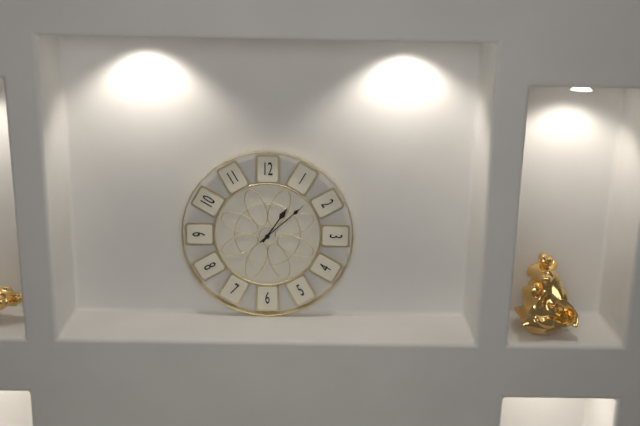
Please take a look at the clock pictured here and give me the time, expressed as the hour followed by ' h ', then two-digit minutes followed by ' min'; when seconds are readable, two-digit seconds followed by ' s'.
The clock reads 1 h 08 min
